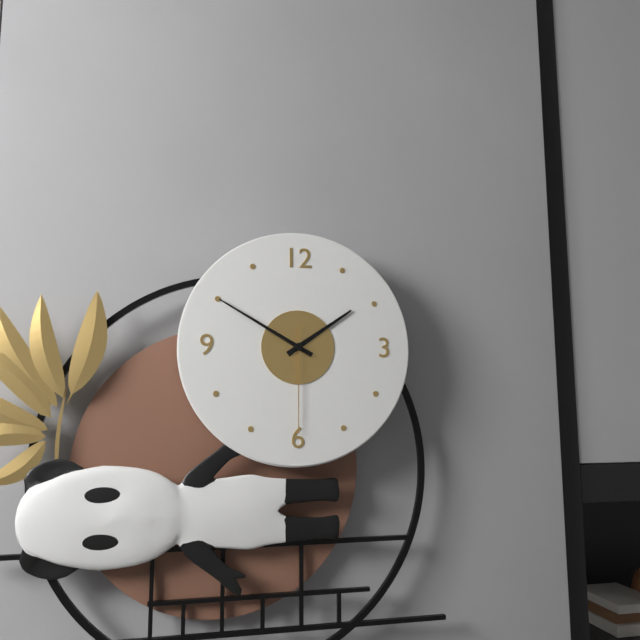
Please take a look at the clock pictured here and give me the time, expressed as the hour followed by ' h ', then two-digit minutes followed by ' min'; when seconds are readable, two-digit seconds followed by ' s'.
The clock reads 1 h 50 min 30 s
